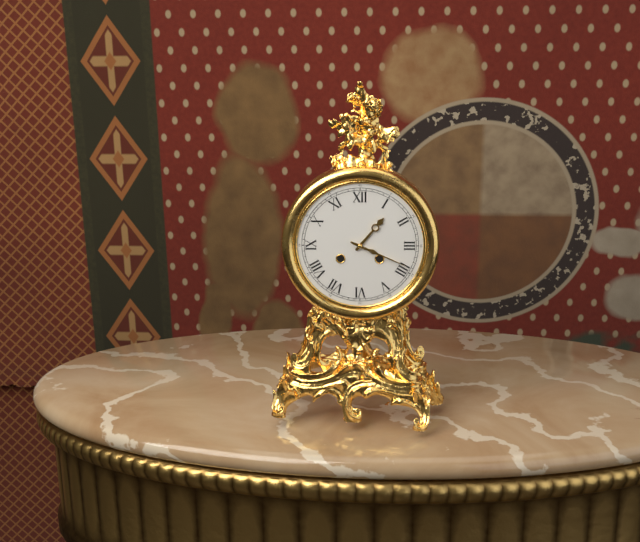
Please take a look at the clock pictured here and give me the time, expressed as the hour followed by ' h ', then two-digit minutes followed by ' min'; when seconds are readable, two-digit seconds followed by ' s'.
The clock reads 1 h 19 min
